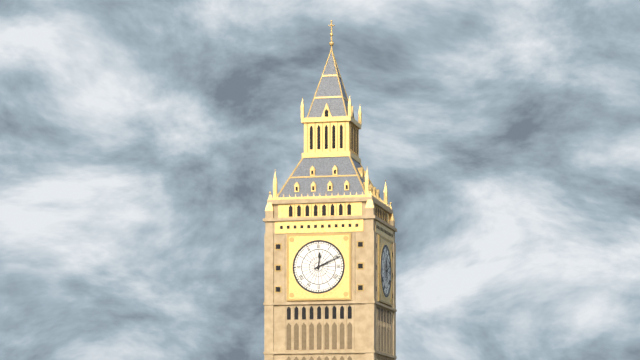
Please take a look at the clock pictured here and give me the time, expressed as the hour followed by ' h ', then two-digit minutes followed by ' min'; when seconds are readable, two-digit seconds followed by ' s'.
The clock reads 12 h 11 min
